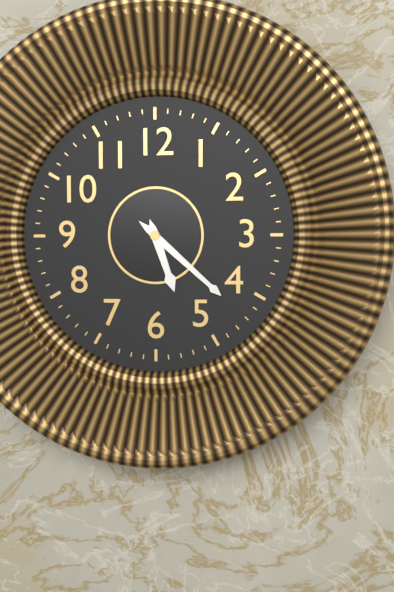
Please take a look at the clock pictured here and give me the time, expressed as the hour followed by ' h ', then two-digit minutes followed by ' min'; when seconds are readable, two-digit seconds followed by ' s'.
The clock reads 5 h 22 min
